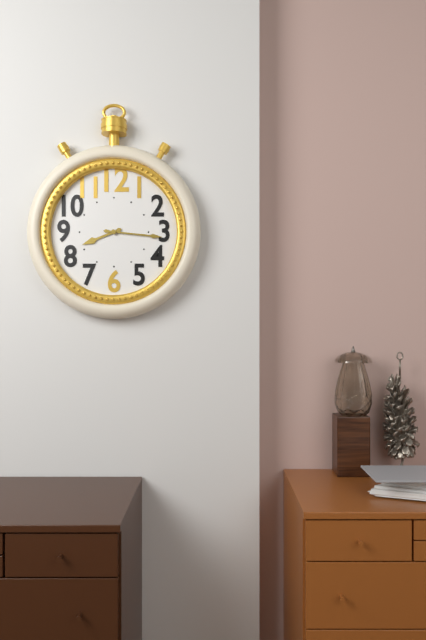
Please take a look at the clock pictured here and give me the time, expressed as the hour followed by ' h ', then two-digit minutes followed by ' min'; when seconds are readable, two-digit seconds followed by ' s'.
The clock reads 8 h 16 min
